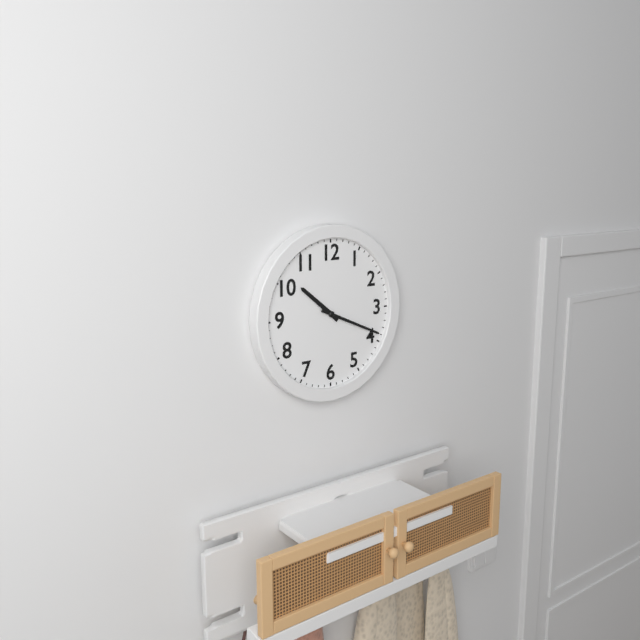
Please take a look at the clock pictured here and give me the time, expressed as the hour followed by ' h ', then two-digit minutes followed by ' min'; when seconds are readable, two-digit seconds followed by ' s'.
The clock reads 10 h 19 min
